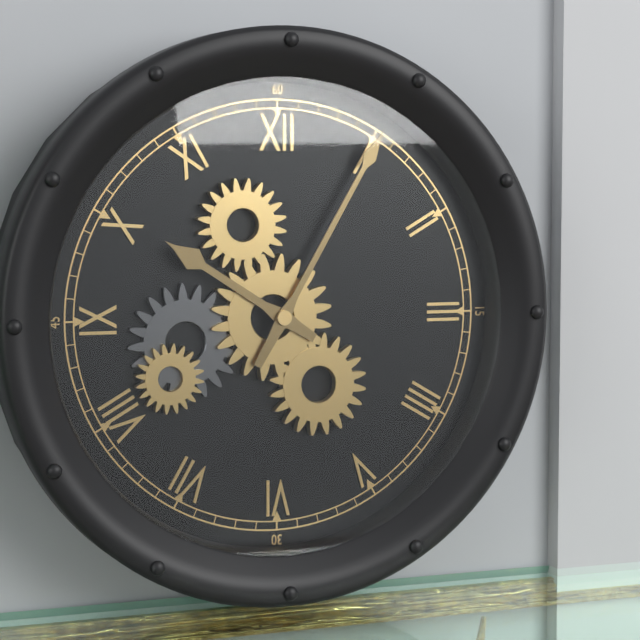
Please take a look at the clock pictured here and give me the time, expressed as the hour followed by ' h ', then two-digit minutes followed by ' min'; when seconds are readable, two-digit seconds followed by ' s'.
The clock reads 10 h 05 min
